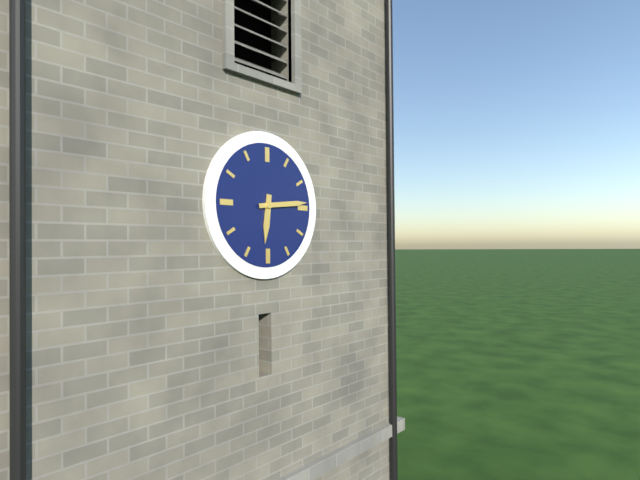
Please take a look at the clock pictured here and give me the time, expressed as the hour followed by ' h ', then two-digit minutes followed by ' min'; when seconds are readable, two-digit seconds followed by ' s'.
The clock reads 6 h 14 min
